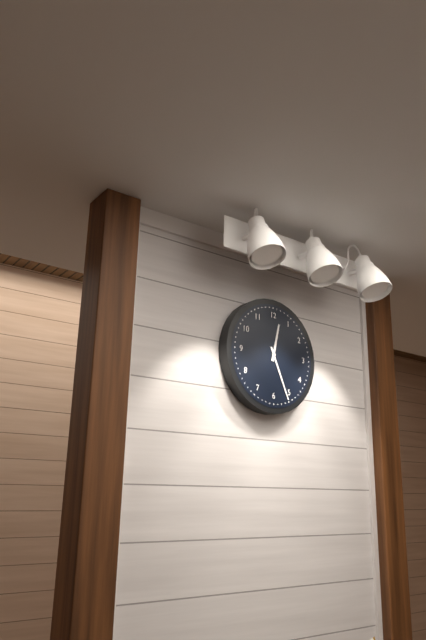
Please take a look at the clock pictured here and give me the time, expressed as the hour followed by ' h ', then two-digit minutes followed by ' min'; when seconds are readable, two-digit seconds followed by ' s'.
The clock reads 12 h 26 min
